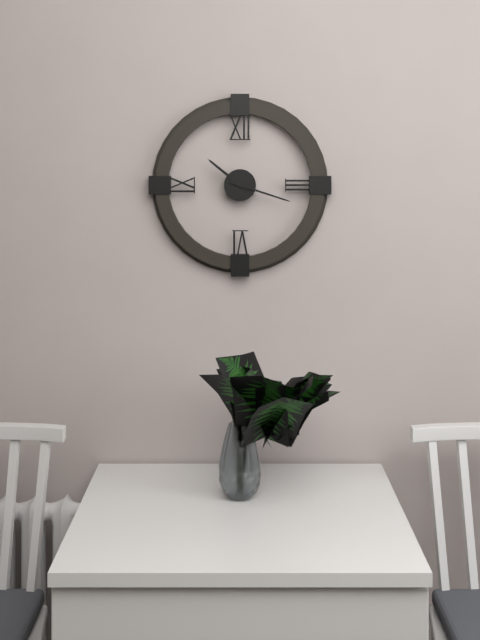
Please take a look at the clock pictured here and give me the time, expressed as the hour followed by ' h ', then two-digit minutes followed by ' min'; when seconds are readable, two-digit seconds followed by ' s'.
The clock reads 10 h 18 min
